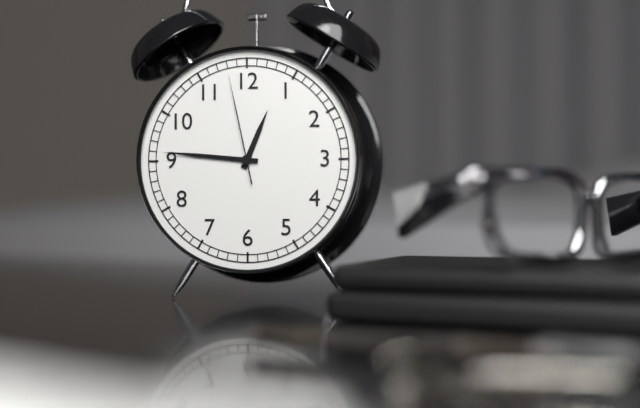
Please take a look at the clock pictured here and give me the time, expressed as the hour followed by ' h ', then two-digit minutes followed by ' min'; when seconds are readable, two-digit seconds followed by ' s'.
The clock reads 12 h 46 min 58 s
